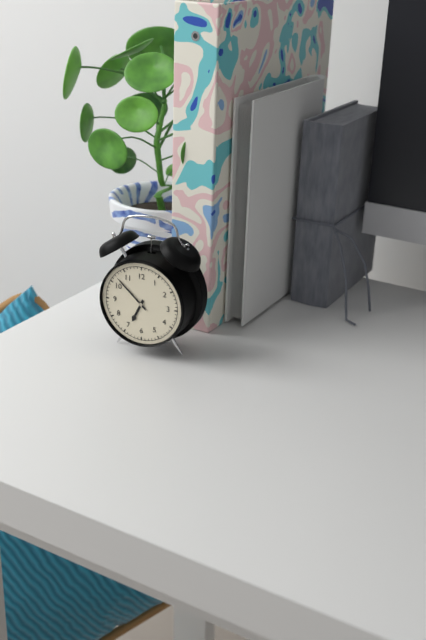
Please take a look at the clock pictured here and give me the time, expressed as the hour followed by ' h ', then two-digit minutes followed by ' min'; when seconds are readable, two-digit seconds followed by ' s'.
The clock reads 6 h 52 min
